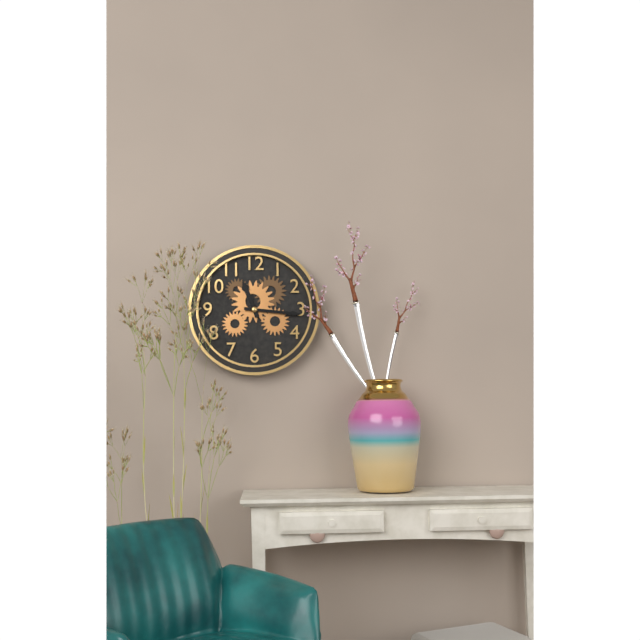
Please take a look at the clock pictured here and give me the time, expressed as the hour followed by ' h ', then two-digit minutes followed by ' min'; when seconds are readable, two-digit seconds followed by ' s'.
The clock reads 11 h 16 min
